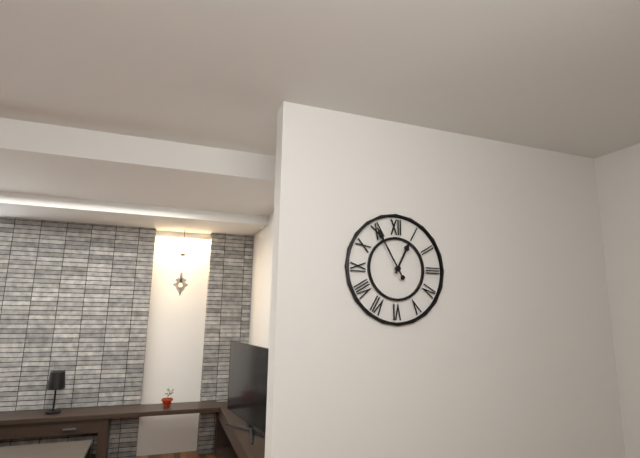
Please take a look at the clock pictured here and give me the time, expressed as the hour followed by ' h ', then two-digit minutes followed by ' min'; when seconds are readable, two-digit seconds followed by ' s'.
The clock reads 12 h 55 min
